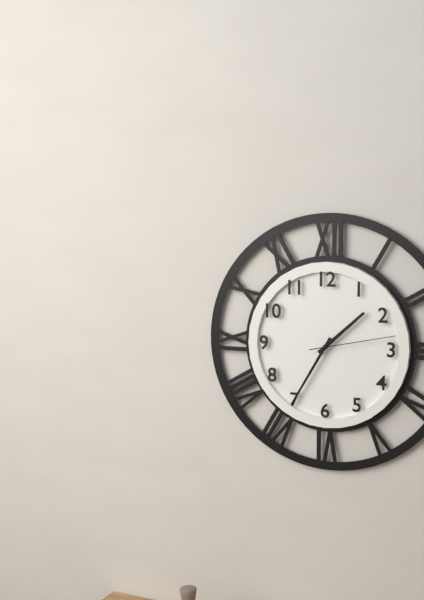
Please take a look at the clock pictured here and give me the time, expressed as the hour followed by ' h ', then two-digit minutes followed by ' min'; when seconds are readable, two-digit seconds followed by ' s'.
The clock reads 1 h 35 min 13 s
